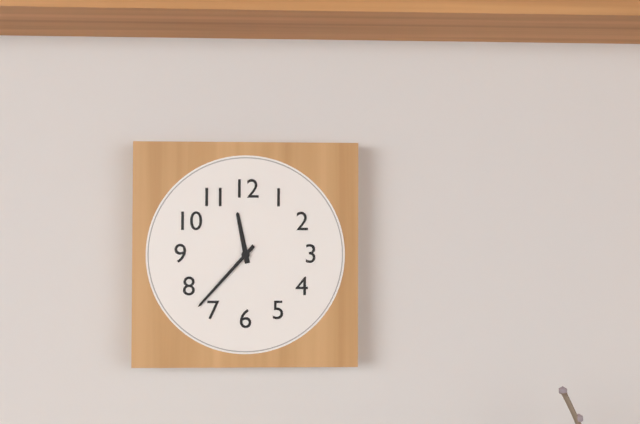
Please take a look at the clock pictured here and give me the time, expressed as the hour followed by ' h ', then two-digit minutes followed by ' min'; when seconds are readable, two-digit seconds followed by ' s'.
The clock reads 11 h 37 min
